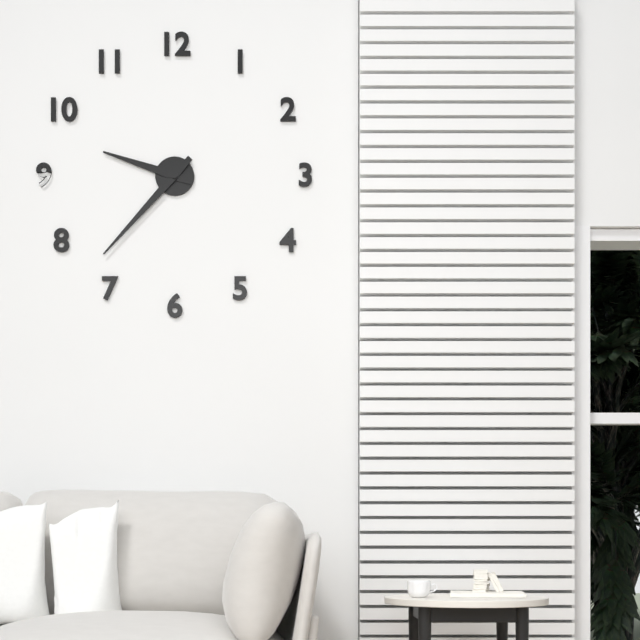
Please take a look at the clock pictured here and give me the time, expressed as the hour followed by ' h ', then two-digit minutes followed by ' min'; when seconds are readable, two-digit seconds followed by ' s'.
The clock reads 9 h 37 min
